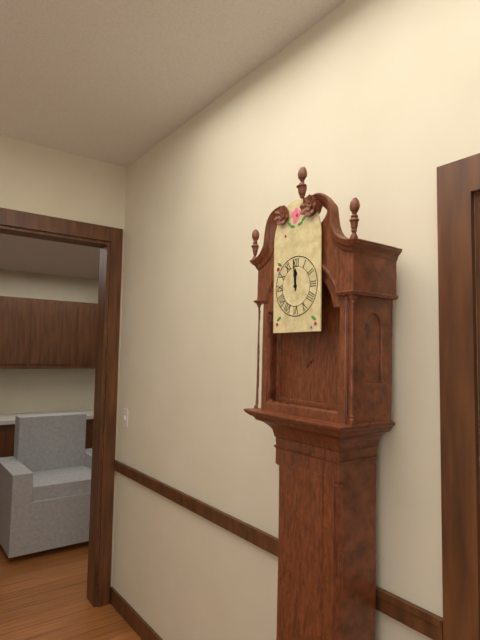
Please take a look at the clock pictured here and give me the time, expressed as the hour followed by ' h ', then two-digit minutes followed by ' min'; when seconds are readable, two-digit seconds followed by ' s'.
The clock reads 11 h 59 min
